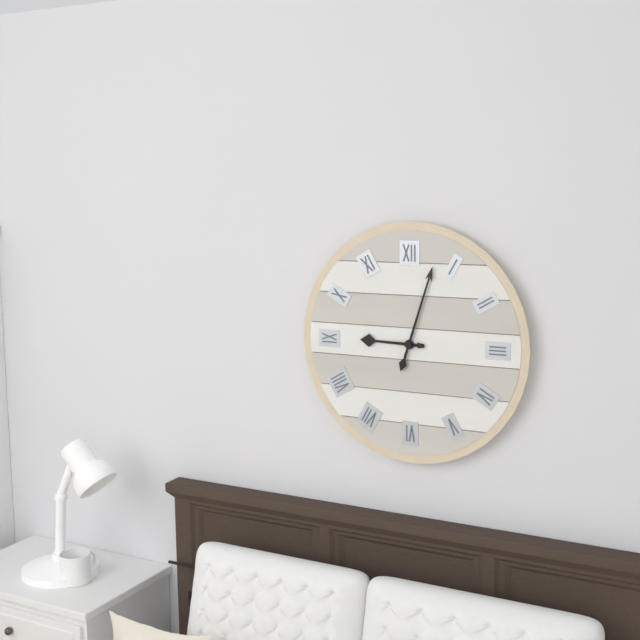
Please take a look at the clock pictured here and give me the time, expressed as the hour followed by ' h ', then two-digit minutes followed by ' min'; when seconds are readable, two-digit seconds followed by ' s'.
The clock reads 9 h 03 min
